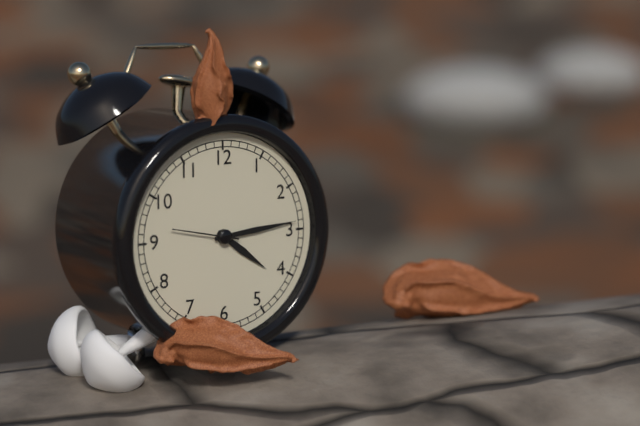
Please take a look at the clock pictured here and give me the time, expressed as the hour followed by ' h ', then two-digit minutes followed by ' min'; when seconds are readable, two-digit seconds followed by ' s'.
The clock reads 4 h 14 min 47 s
